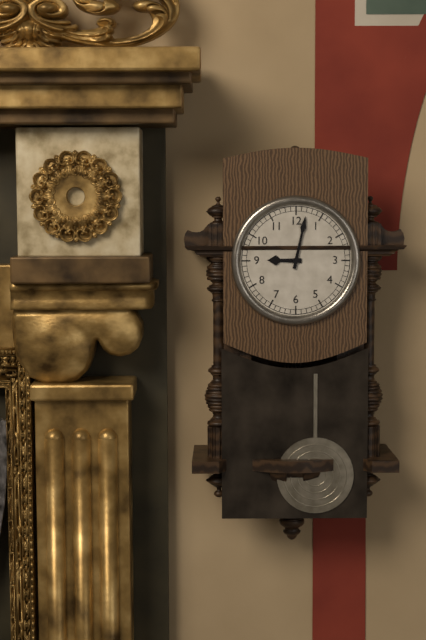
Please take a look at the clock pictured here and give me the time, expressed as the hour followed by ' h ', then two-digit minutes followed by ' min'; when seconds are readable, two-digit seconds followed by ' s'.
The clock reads 9 h 02 min
